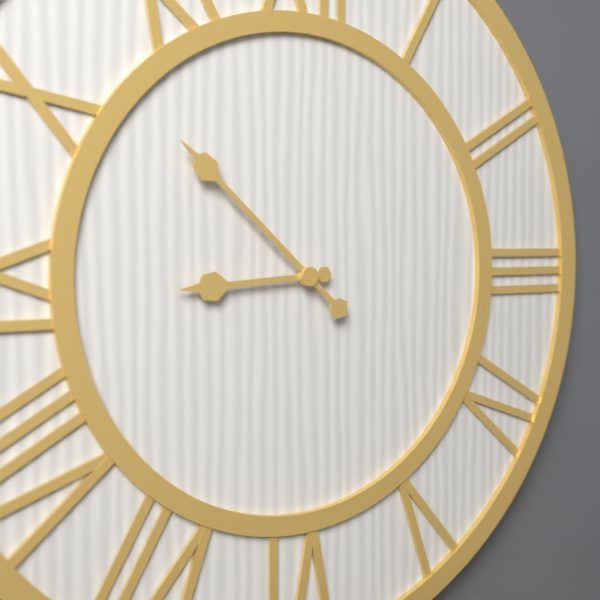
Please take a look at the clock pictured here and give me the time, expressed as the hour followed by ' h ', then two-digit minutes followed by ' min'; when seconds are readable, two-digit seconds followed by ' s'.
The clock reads 8 h 52 min
